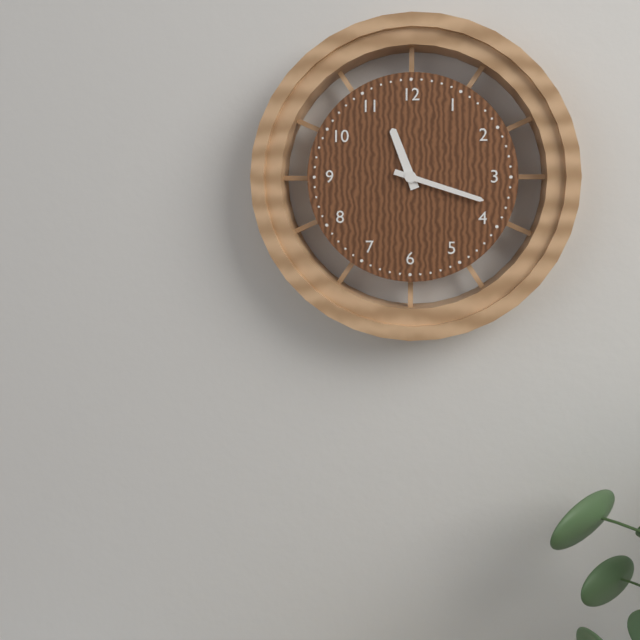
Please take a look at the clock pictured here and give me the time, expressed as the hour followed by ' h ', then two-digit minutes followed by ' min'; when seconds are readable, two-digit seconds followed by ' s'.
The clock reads 11 h 18 min
